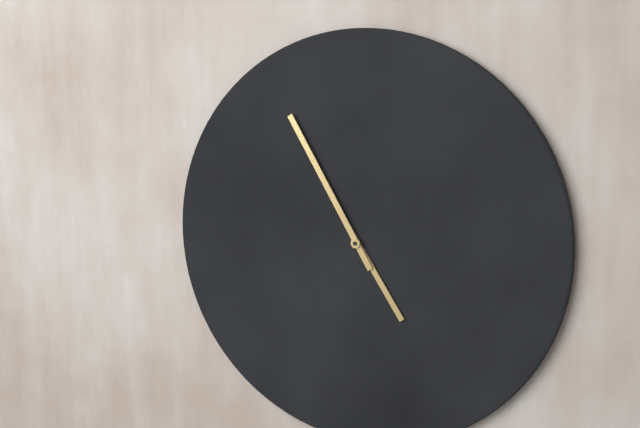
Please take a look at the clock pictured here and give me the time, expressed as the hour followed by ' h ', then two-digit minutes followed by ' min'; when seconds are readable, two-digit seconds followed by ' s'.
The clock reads 4 h 55 min
